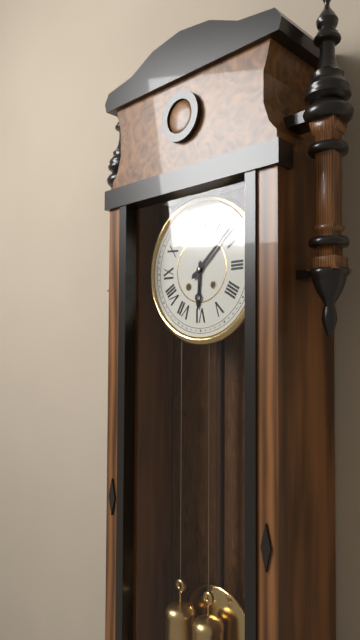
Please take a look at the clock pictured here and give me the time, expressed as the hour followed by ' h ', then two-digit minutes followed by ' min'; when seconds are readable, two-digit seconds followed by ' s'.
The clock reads 6 h 08 min
